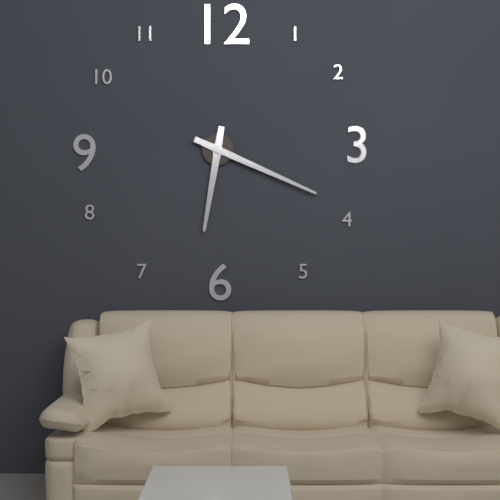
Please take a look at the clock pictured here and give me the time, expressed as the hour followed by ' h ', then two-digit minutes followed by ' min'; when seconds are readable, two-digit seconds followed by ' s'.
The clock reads 6 h 19 min
